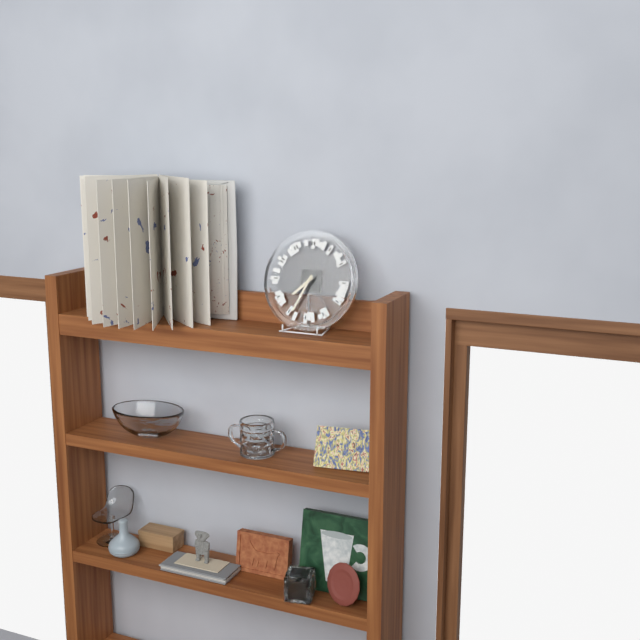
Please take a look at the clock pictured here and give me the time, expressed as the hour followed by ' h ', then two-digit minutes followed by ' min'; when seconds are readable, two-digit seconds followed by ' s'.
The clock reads 7 h 34 min
